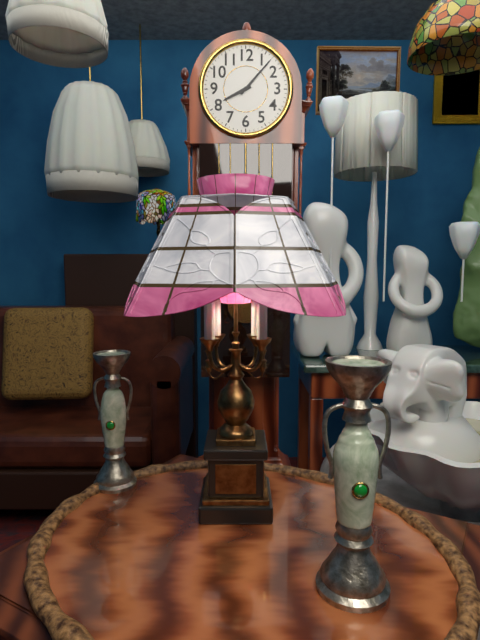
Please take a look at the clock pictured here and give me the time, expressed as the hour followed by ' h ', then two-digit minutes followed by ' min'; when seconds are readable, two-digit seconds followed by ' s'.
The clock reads 8 h 07 min
